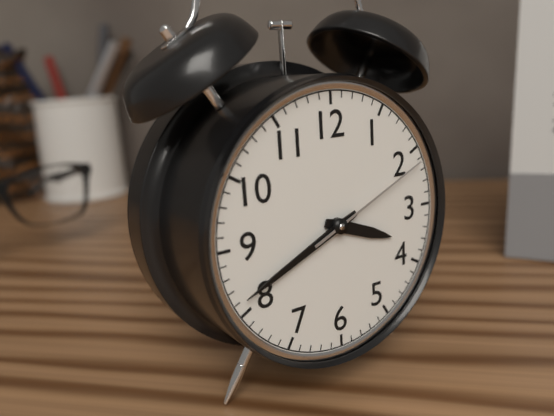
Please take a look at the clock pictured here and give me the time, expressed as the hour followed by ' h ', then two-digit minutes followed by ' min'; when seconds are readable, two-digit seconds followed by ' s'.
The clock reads 3 h 41 min 11 s
